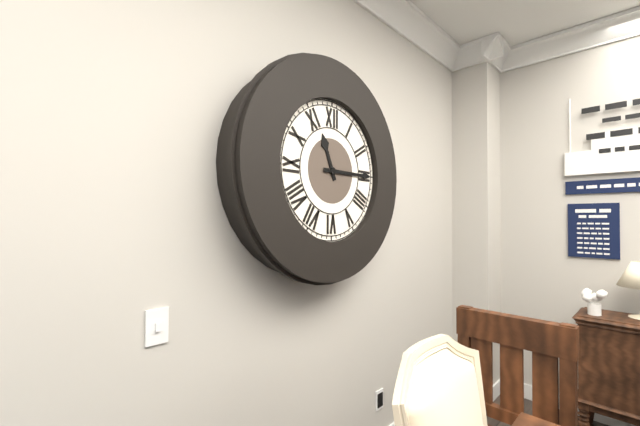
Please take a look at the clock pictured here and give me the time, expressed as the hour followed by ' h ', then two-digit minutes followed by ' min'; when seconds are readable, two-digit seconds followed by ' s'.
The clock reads 11 h 15 min
